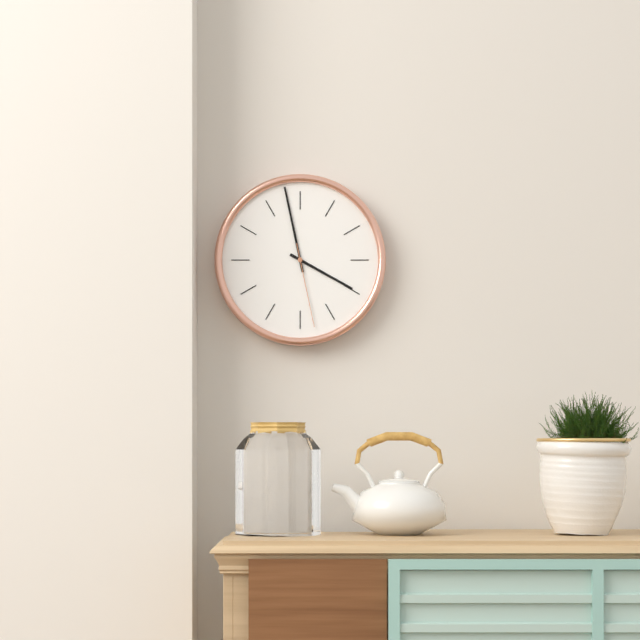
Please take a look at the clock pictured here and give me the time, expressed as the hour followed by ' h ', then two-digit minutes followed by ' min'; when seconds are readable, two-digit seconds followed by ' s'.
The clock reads 3 h 58 min 28 s
